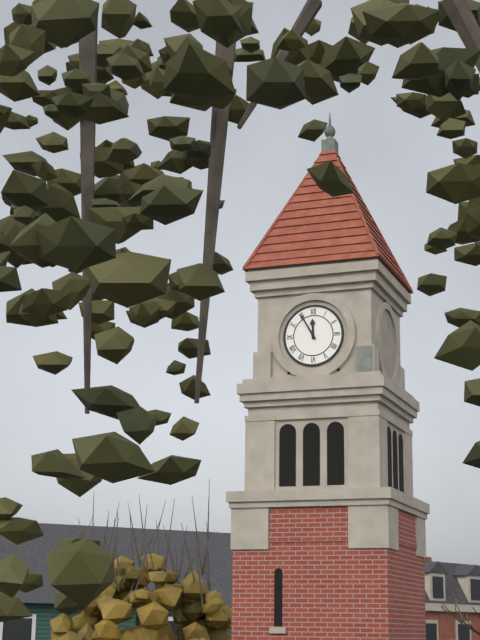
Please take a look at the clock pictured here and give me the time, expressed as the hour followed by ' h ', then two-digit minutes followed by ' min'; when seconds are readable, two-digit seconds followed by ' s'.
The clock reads 11 h 55 min
